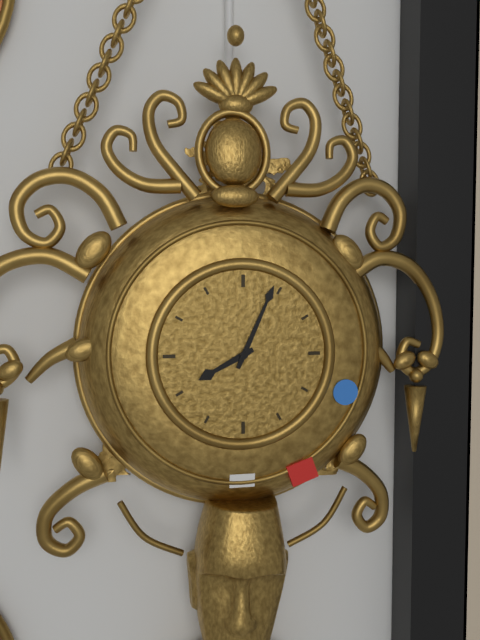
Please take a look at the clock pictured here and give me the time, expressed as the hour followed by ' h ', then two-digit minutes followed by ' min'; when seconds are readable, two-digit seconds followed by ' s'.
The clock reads 8 h 04 min
